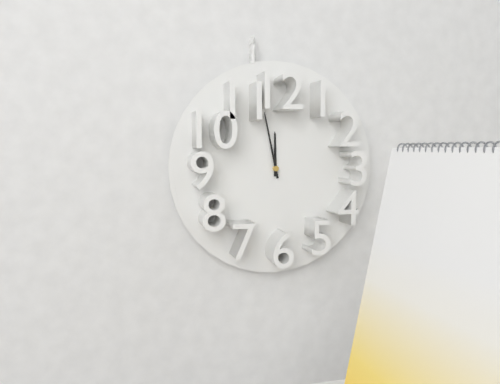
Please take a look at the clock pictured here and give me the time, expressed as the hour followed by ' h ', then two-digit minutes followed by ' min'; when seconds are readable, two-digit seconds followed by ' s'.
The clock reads 11 h 58 min
